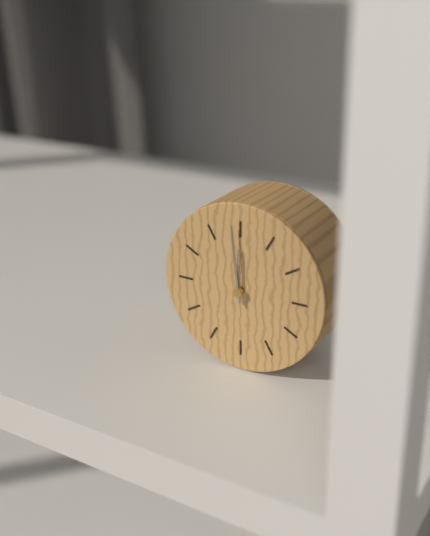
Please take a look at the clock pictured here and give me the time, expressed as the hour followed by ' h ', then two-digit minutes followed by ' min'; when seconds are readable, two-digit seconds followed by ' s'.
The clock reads 11 h 59 min
